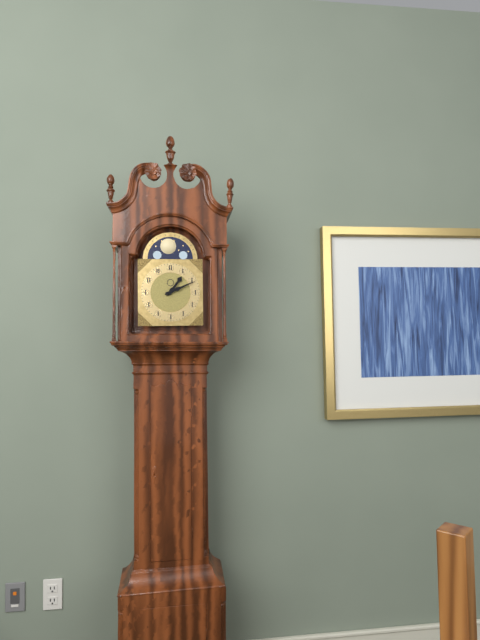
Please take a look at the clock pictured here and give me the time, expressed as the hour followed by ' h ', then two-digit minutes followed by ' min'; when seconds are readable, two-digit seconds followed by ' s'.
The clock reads 1 h 11 min
